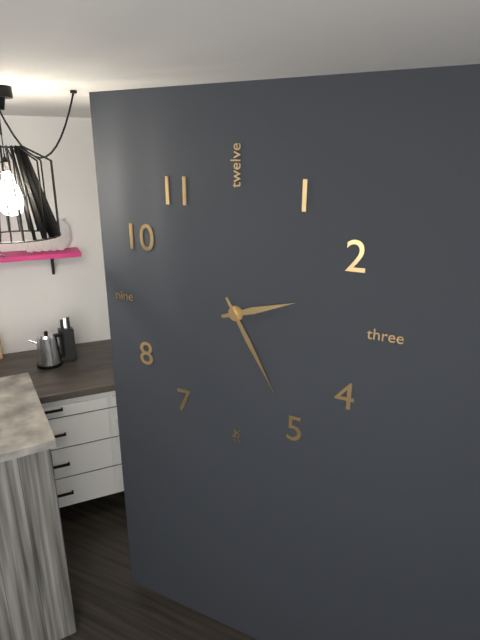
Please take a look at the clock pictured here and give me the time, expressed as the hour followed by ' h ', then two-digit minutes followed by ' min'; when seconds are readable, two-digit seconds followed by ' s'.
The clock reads 2 h 25 min
